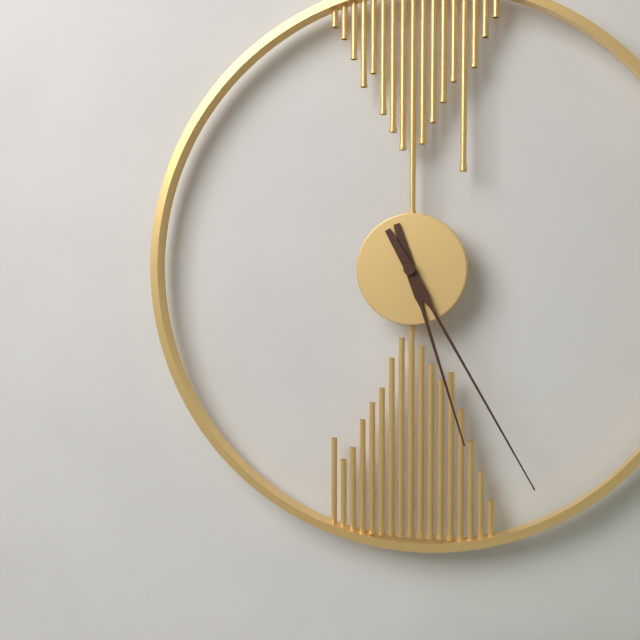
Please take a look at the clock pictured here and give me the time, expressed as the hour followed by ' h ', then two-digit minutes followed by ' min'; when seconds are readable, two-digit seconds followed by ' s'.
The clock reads 5 h 25 min
